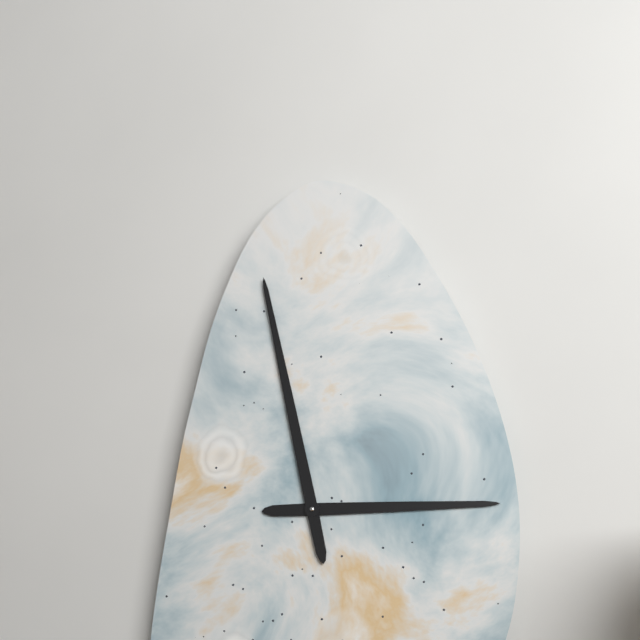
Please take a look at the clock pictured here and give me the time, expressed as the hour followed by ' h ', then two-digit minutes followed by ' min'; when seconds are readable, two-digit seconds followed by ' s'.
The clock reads 2 h 58 min
